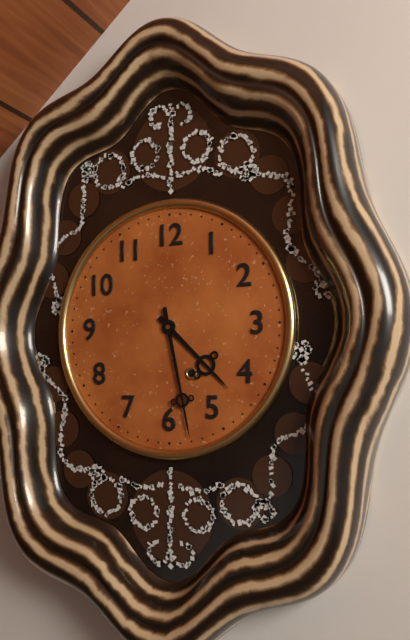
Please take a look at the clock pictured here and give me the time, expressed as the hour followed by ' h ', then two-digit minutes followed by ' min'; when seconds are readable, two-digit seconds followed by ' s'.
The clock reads 4 h 28 min
